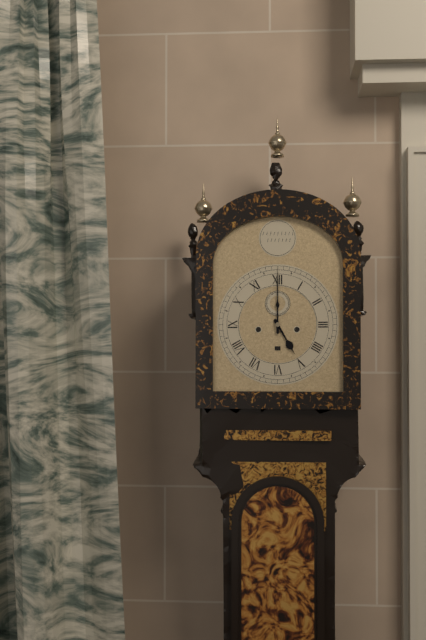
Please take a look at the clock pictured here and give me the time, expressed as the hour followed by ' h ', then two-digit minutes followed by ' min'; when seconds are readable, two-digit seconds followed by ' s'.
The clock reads 5 h 00 min
